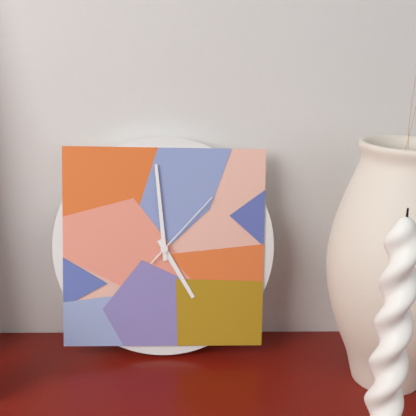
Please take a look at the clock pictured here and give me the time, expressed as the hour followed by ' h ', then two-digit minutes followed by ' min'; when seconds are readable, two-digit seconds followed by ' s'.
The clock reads 4 h 59 min 07 s
